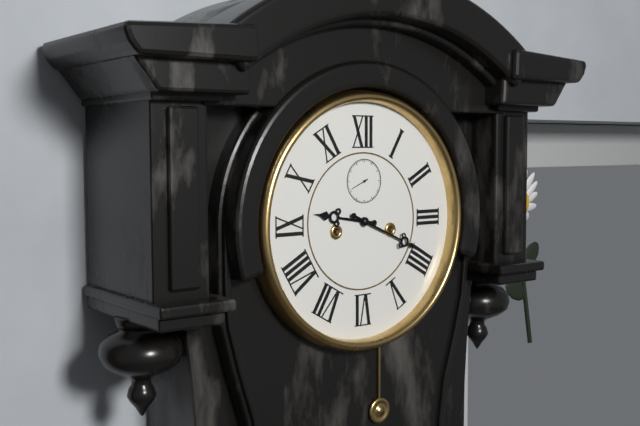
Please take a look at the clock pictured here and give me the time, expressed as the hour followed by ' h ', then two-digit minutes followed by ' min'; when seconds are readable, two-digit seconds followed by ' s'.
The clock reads 9 h 19 min
